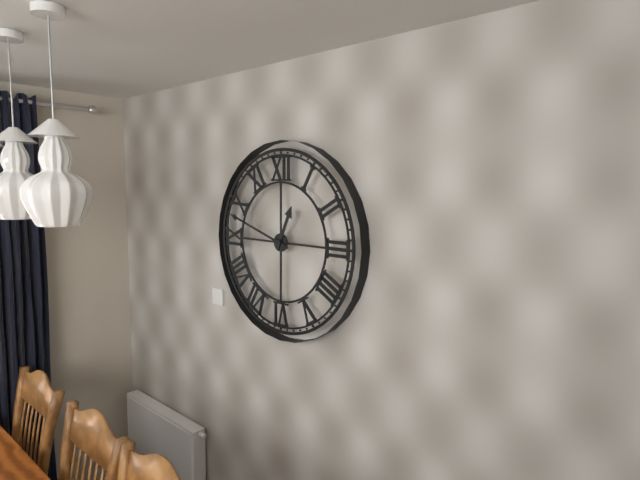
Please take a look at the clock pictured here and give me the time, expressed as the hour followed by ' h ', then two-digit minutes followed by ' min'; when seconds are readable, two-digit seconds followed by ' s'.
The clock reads 12 h 48 min
